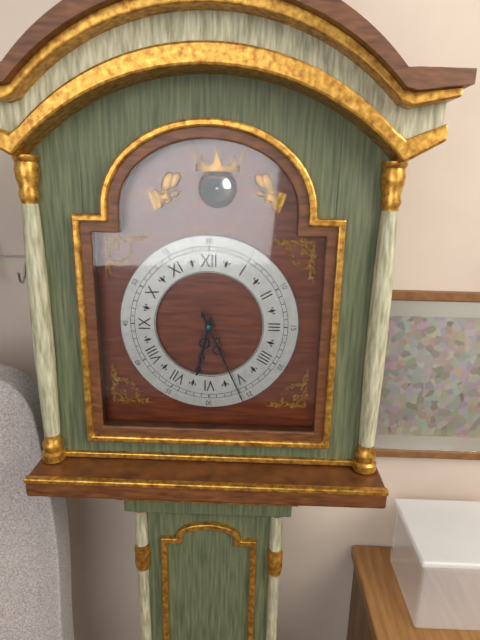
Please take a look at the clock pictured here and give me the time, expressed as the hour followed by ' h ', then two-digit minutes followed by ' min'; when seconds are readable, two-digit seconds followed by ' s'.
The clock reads 6 h 26 min
